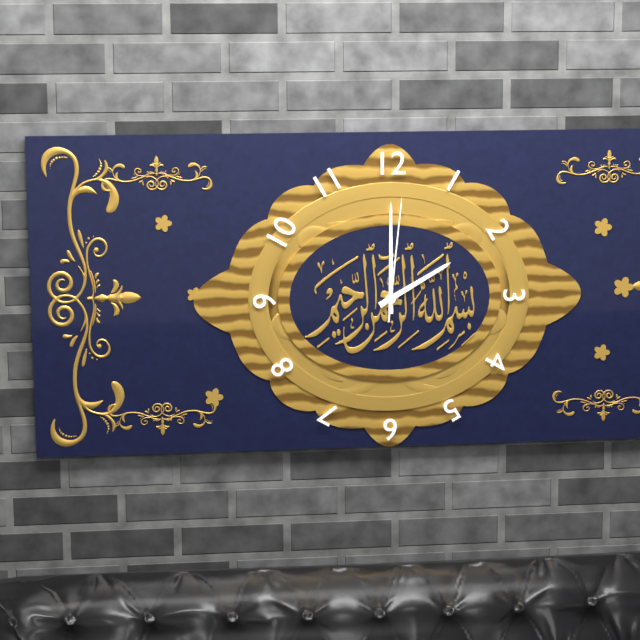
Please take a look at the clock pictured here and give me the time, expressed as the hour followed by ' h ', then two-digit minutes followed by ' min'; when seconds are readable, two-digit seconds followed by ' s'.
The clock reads 2 h 00 min 01 s
